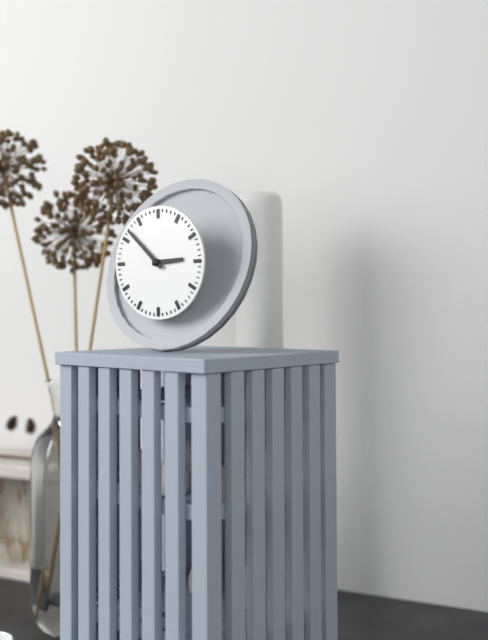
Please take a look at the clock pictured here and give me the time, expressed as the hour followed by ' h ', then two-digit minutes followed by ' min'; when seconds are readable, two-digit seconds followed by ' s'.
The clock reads 2 h 52 min
